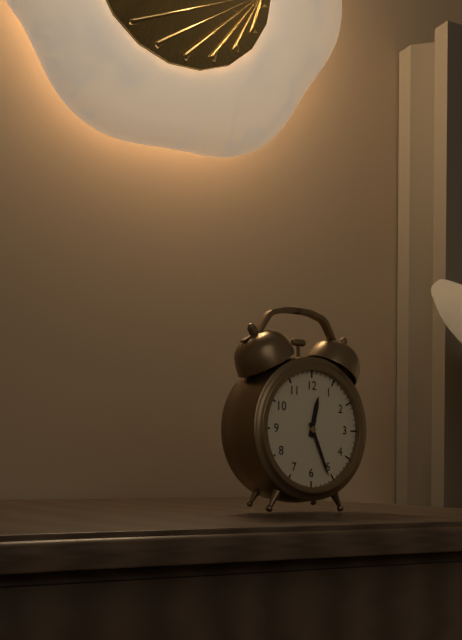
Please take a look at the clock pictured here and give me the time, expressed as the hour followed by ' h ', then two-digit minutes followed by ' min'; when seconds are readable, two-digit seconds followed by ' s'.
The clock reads 12 h 26 min
